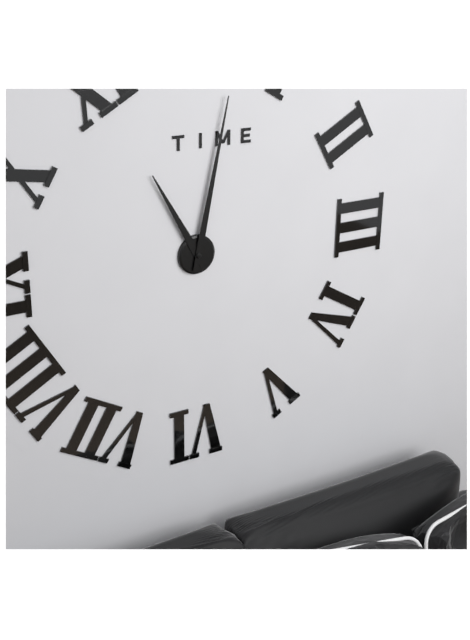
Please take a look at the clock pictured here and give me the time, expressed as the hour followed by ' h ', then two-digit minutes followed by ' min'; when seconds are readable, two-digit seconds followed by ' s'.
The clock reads 11 h 02 min
